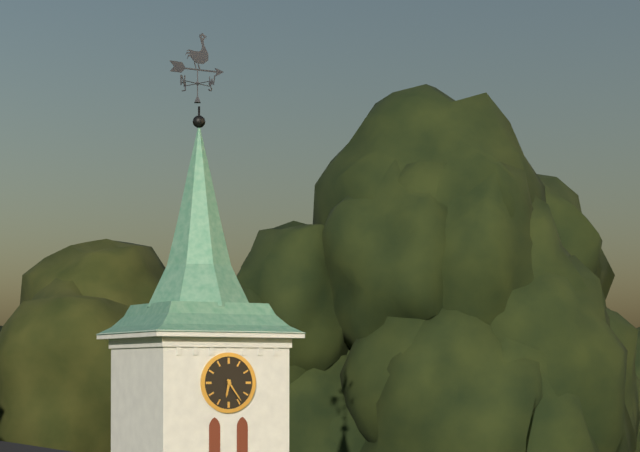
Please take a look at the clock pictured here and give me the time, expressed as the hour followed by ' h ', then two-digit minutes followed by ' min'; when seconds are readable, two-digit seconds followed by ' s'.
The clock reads 6 h 24 min
